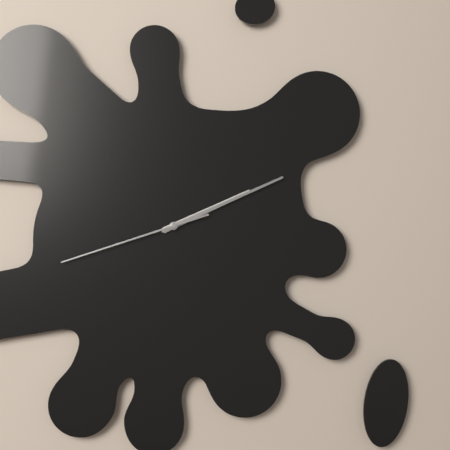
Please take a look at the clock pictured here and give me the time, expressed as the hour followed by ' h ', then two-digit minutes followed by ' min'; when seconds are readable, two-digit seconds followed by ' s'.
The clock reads 2 h 11 min 42 s
